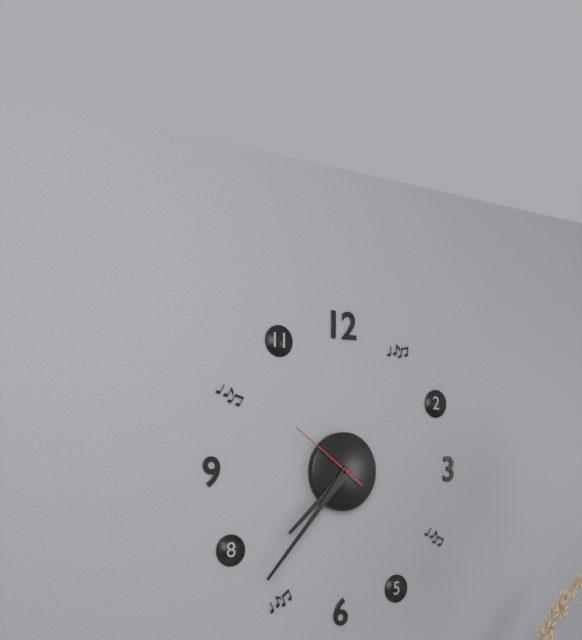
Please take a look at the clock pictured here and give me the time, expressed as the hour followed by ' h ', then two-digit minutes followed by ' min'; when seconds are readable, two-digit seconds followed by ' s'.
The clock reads 7 h 37 min 51 s
